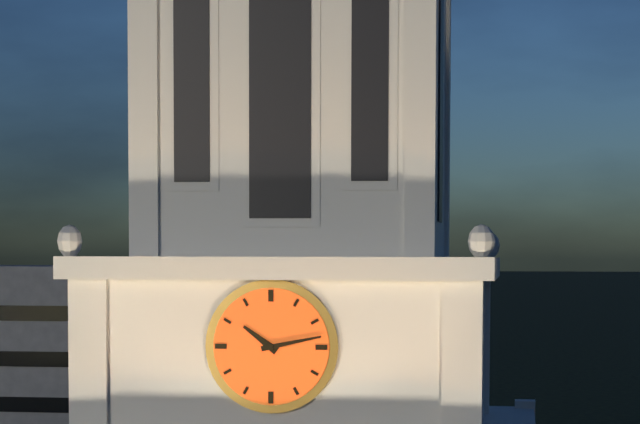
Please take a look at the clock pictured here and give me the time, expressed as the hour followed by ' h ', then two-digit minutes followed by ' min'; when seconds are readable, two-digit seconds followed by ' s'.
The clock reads 10 h 13 min
